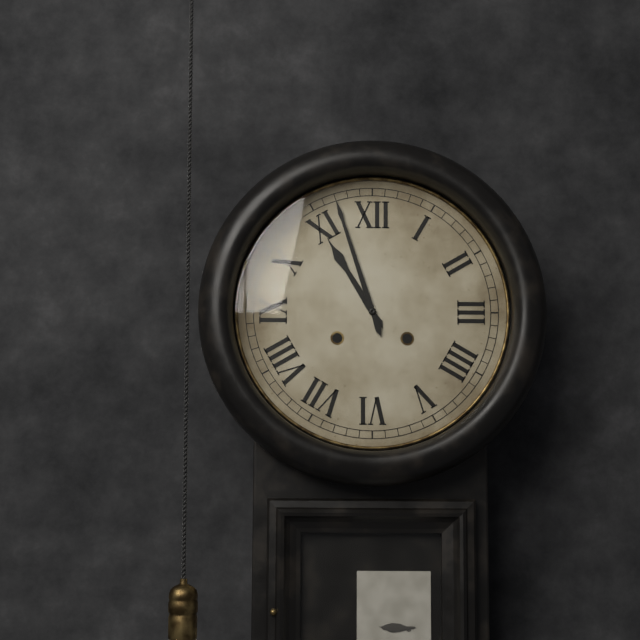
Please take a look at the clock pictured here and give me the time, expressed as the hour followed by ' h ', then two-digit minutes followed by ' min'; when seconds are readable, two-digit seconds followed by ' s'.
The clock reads 10 h 57 min
